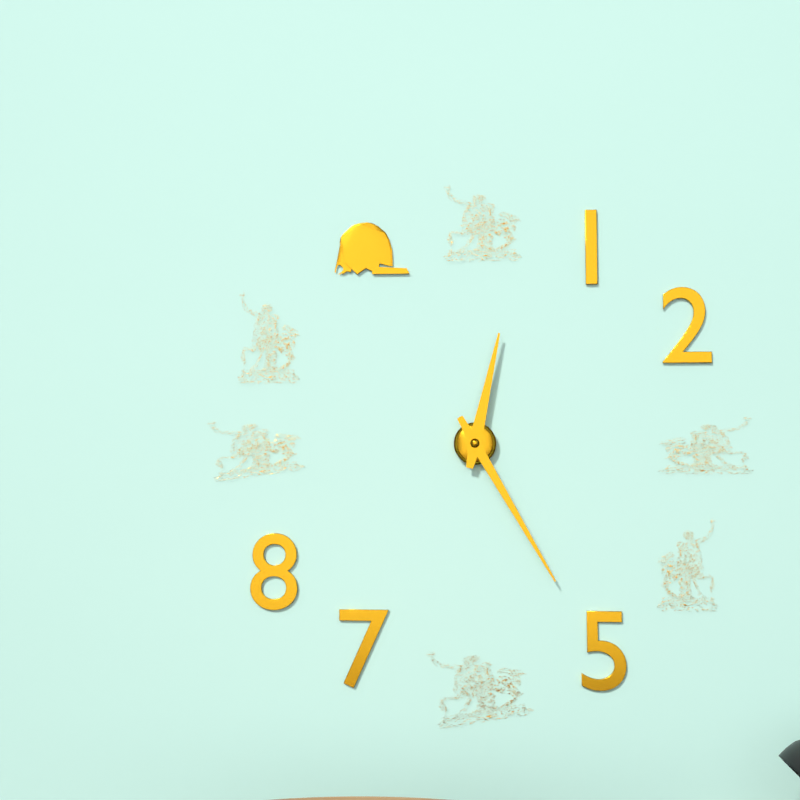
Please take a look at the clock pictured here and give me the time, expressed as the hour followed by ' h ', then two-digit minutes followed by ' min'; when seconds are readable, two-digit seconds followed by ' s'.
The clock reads 12 h 25 min
